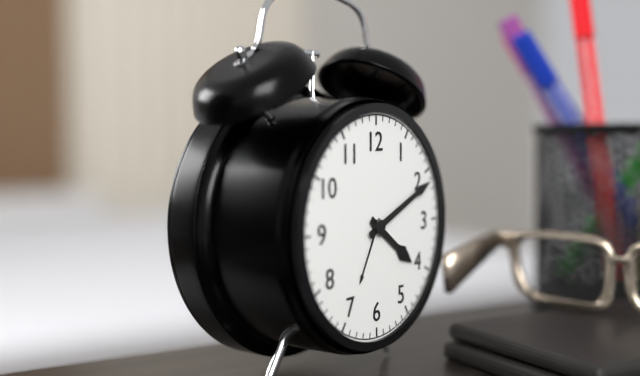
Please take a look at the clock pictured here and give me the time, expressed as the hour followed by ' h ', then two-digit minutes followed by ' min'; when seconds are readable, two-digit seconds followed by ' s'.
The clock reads 4 h 11 min
